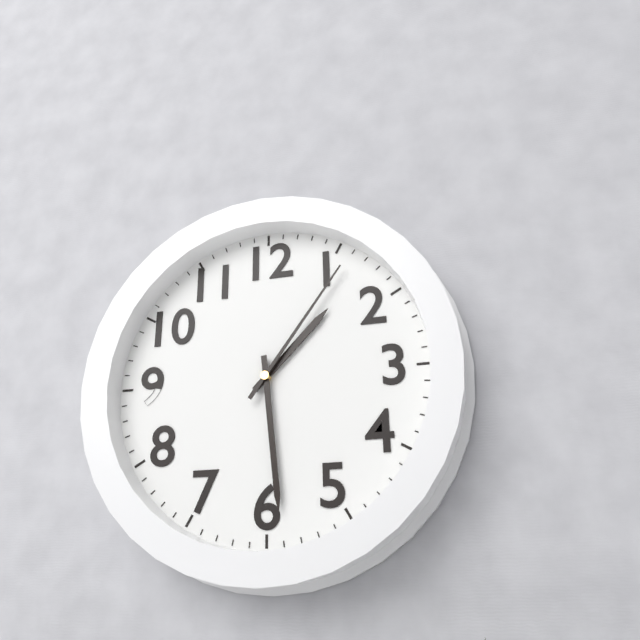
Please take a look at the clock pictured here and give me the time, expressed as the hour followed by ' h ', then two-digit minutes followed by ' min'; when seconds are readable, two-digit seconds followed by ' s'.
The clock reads 1 h 29 min 06 s
